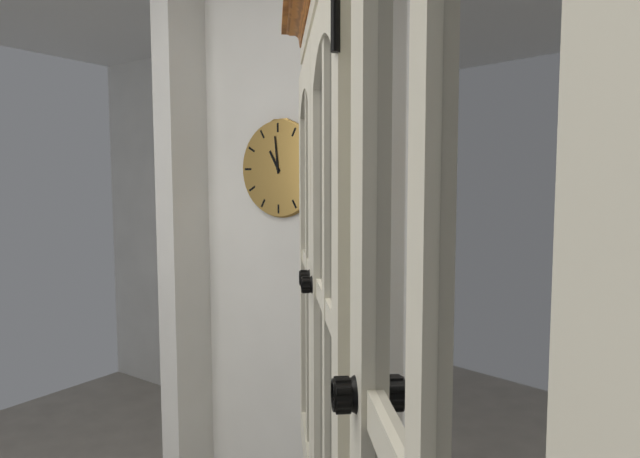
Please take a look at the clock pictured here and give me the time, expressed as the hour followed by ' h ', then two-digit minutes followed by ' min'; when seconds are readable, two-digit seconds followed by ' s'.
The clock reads 10 h 59 min
